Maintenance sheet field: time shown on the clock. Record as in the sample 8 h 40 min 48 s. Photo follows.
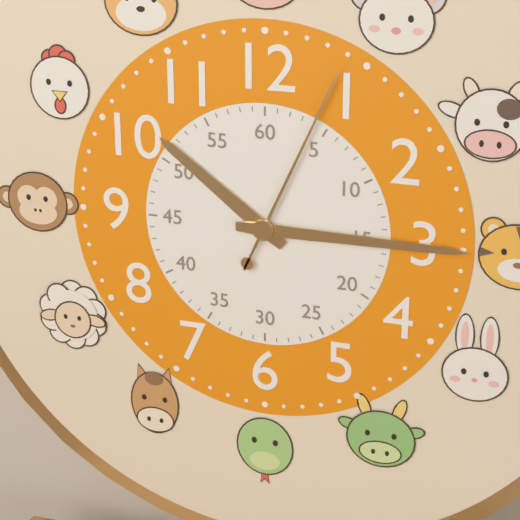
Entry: 10 h 15 min 04 s
